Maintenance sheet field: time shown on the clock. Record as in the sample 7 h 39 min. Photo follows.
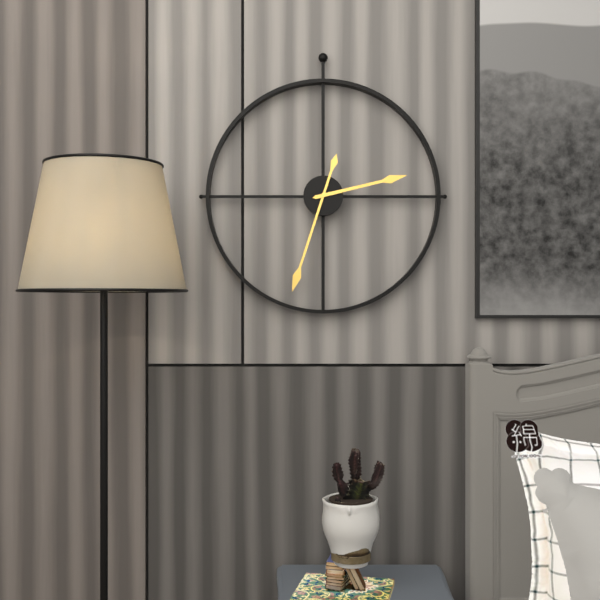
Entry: 2 h 33 min
